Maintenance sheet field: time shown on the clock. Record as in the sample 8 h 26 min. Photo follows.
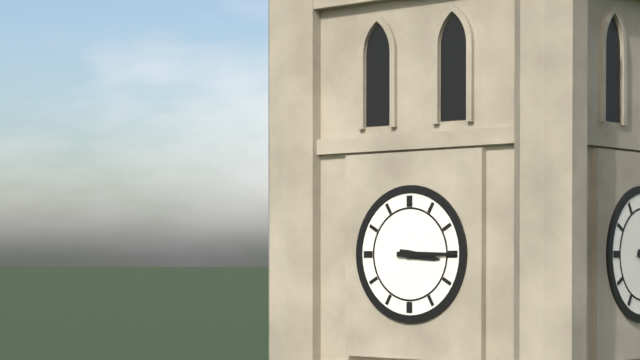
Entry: 3 h 15 min
